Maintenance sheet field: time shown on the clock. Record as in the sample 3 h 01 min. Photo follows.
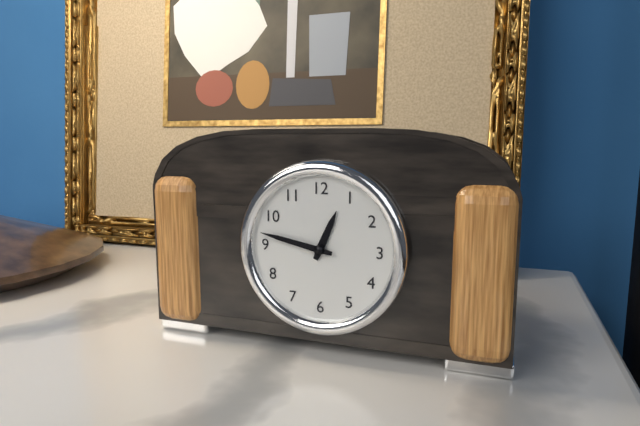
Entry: 12 h 47 min
